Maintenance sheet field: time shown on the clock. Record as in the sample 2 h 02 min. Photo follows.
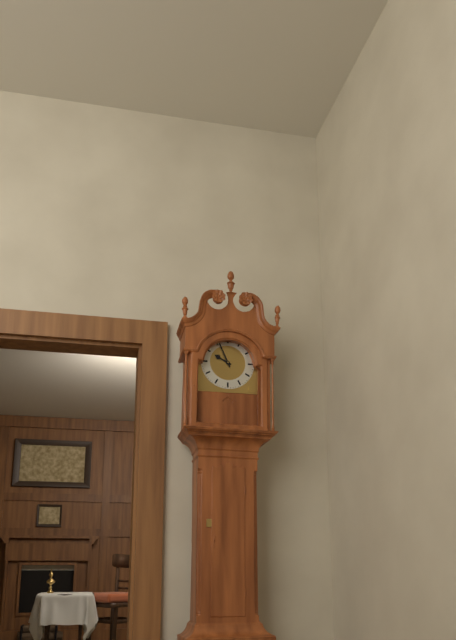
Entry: 9 h 56 min
